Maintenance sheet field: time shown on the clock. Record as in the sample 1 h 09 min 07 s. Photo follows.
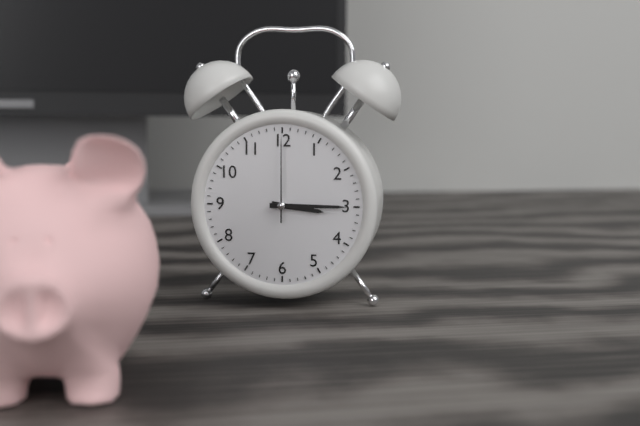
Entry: 3 h 15 min 00 s
